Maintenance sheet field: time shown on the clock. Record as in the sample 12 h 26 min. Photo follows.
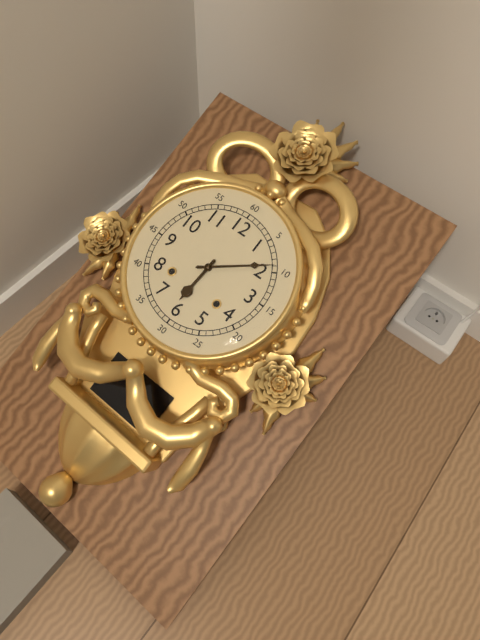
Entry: 6 h 09 min
